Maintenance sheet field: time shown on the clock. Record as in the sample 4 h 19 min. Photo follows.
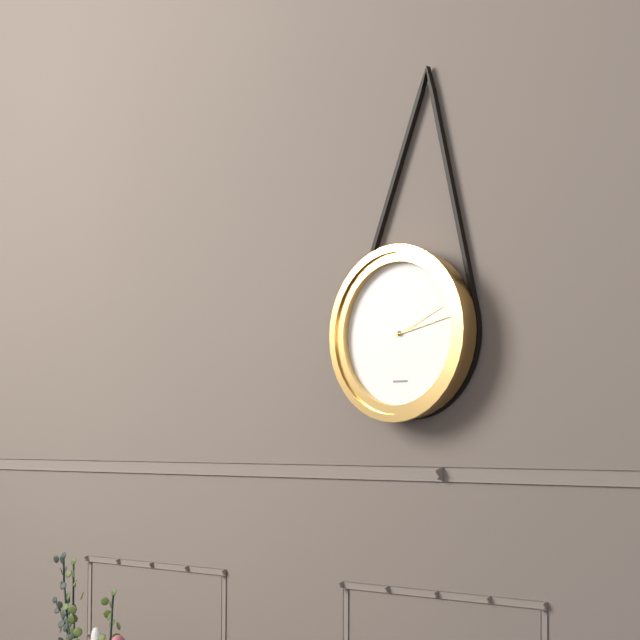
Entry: 2 h 13 min
